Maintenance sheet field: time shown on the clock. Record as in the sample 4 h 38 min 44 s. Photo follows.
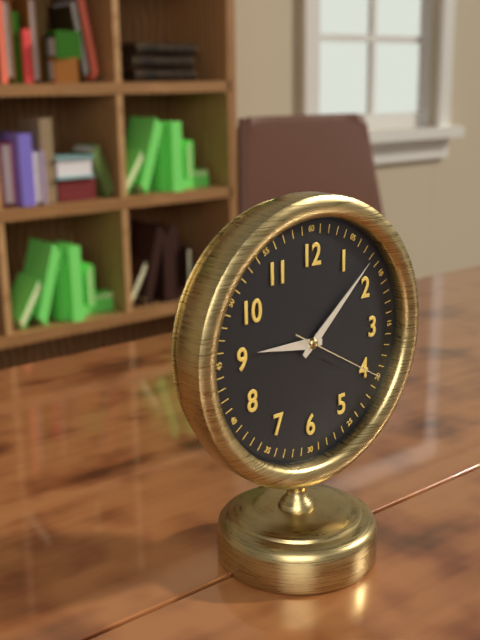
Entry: 9 h 08 min 20 s
